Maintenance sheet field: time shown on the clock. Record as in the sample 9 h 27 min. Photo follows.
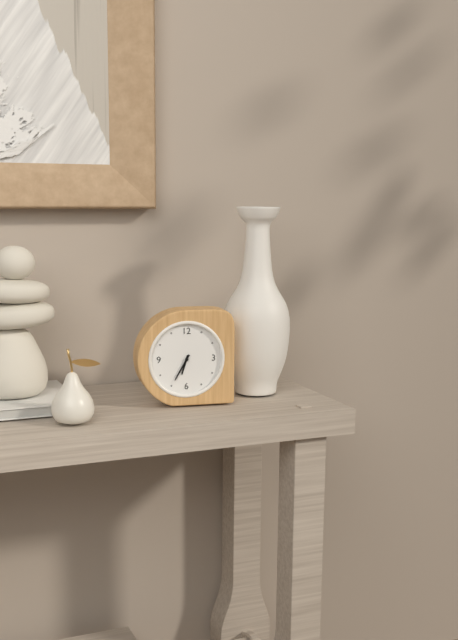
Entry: 6 h 35 min
